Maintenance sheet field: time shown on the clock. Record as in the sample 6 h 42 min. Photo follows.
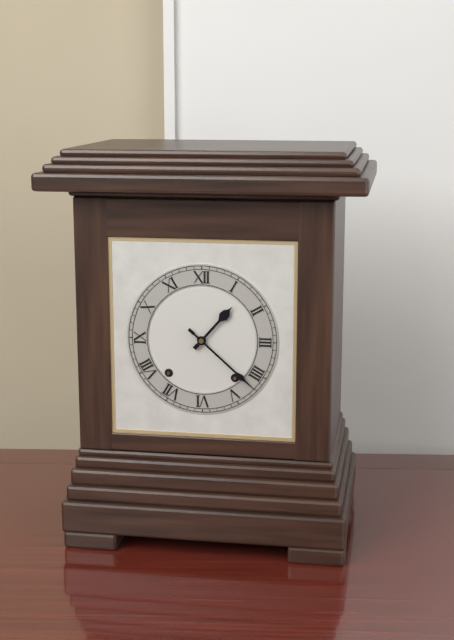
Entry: 1 h 22 min
